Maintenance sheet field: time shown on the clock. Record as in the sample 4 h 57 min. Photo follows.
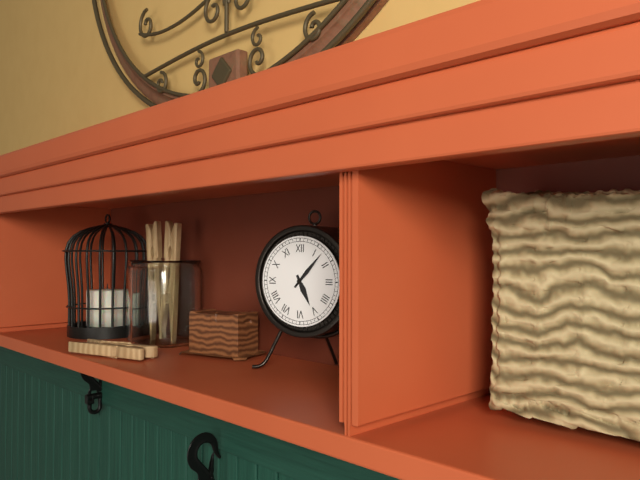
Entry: 5 h 07 min
